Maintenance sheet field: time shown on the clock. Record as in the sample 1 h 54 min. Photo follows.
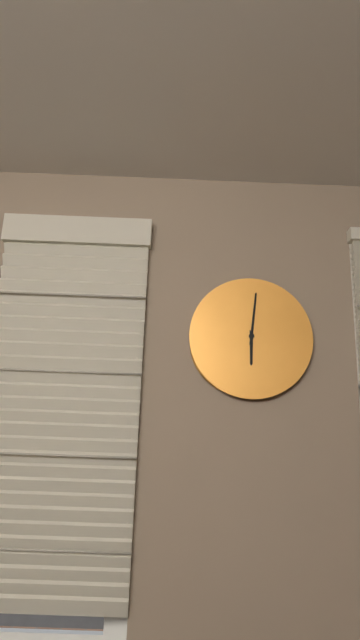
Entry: 6 h 01 min
